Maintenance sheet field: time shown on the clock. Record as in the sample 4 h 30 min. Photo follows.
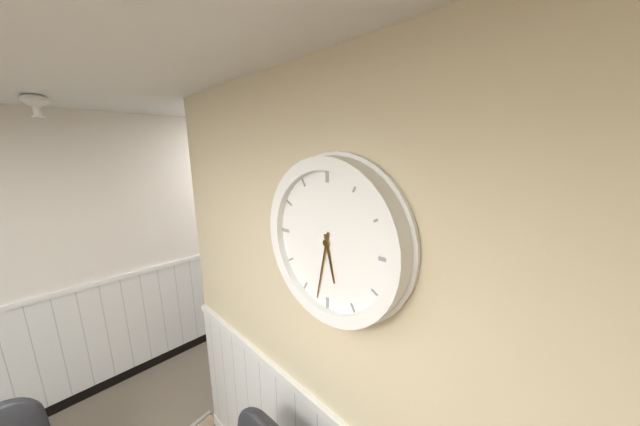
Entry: 5 h 32 min
